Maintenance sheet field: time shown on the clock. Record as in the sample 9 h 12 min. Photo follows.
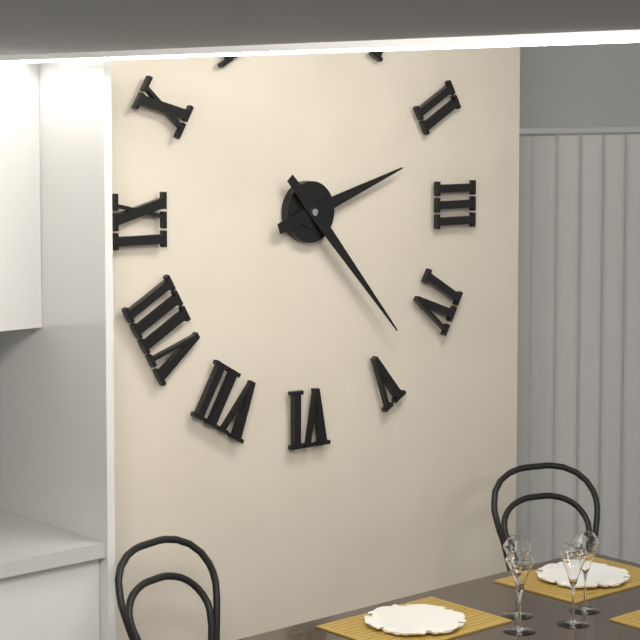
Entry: 2 h 23 min
